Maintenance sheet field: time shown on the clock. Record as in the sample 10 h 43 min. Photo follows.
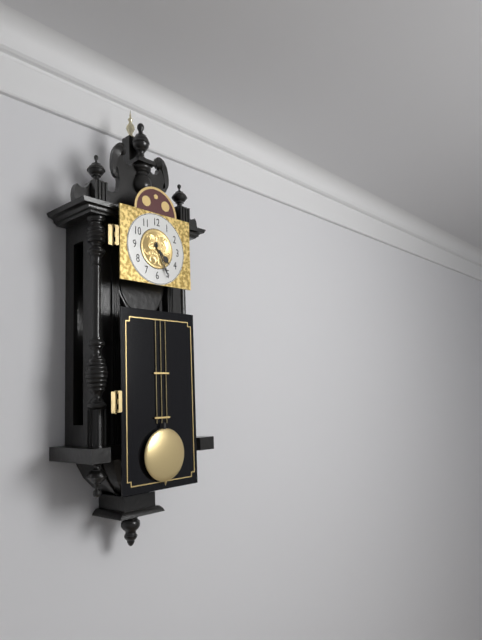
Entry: 4 h 26 min
